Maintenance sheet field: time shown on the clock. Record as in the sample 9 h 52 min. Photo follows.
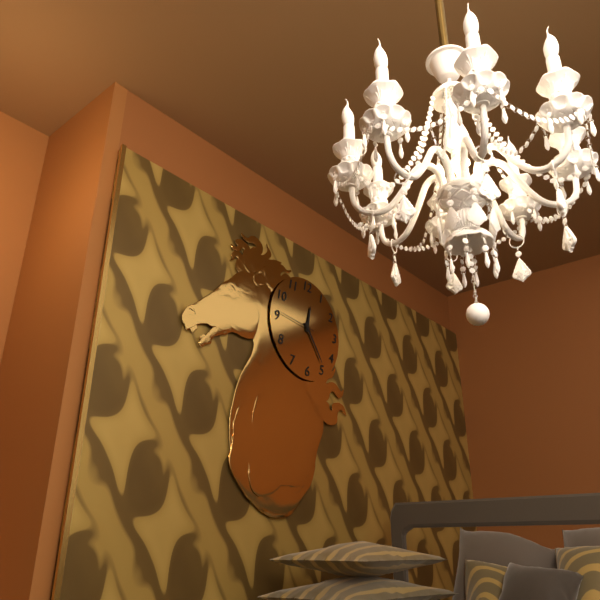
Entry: 12 h 24 min
